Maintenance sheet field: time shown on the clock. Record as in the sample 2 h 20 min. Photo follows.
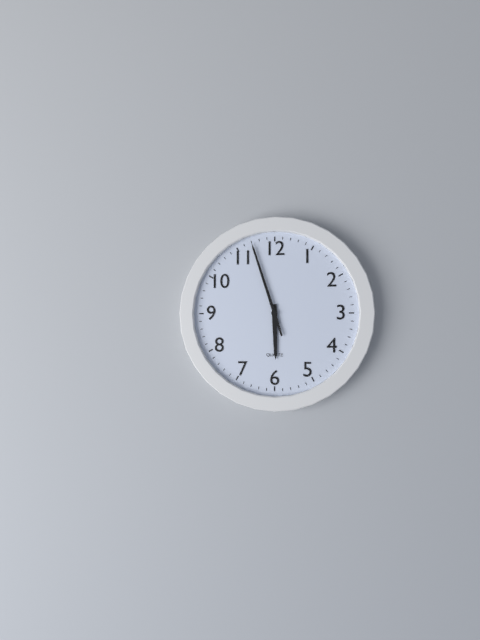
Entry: 5 h 57 min
